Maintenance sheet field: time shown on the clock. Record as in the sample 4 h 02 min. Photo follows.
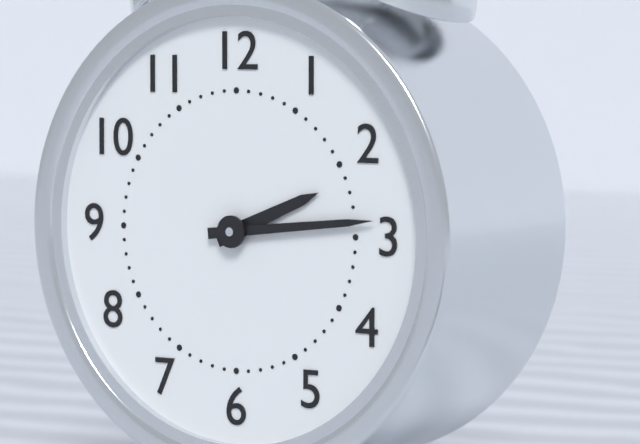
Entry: 2 h 14 min
